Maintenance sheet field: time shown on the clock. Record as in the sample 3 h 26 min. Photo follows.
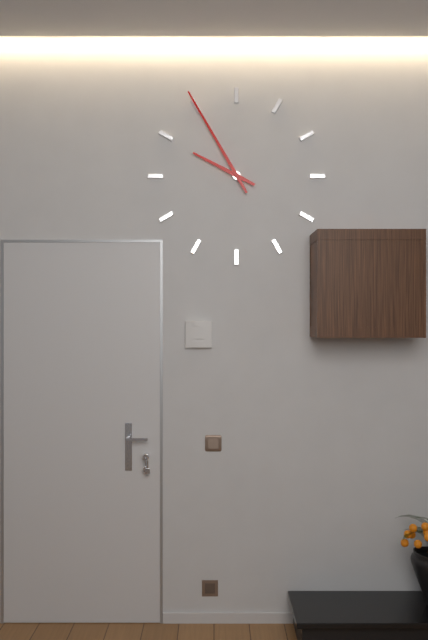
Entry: 9 h 55 min
